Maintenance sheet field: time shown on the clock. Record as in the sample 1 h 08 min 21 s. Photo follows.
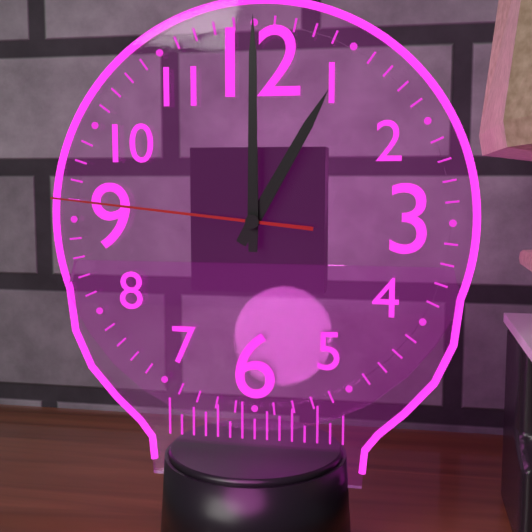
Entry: 1 h 00 min 46 s
